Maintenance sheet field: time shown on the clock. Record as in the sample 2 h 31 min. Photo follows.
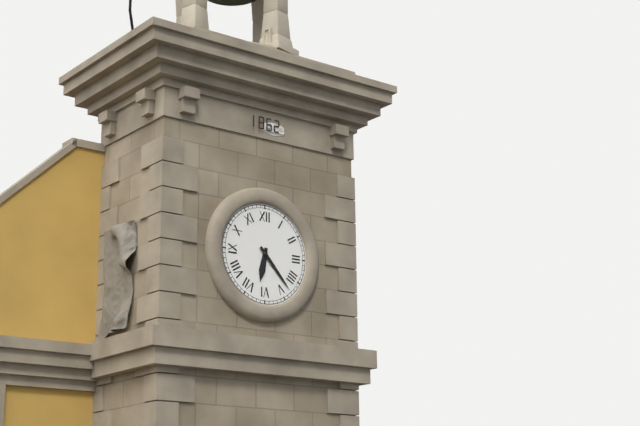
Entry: 6 h 23 min
